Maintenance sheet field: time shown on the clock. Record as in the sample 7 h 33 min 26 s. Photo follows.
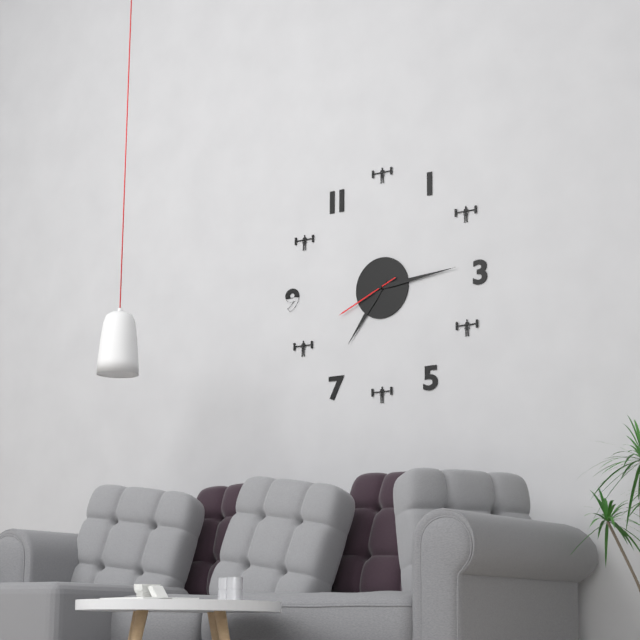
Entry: 7 h 14 min 41 s
